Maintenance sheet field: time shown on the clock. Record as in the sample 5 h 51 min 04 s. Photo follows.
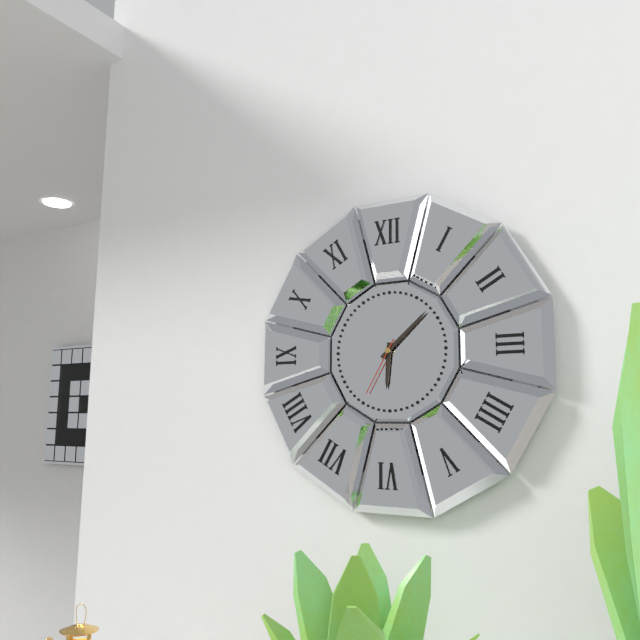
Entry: 6 h 08 min 35 s
